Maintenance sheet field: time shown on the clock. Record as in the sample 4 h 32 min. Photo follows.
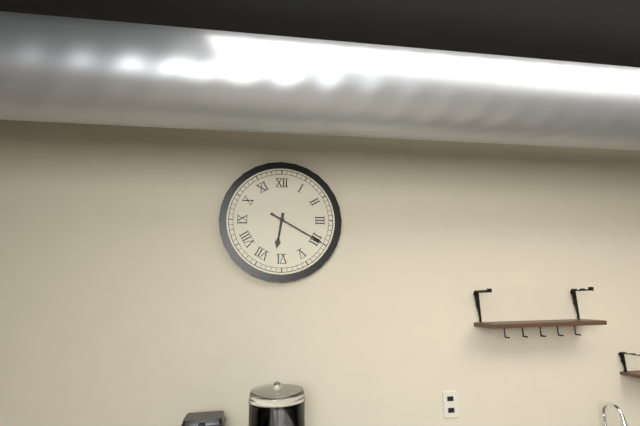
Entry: 6 h 20 min
